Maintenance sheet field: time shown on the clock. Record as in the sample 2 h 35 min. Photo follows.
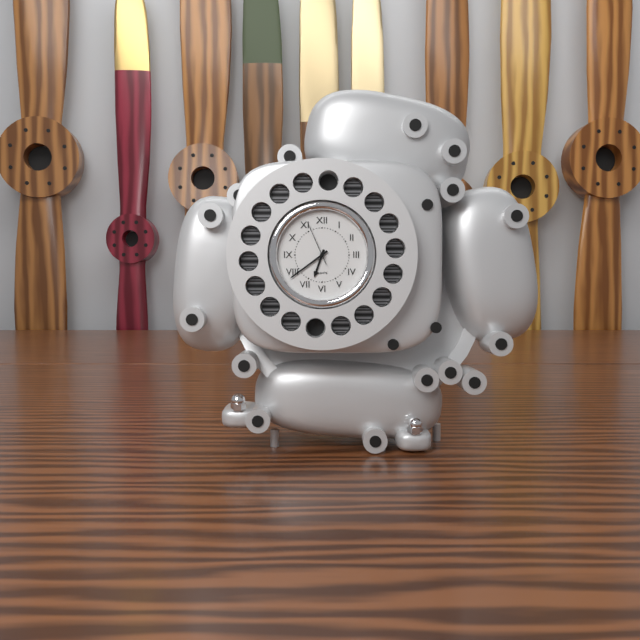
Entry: 6 h 39 min
